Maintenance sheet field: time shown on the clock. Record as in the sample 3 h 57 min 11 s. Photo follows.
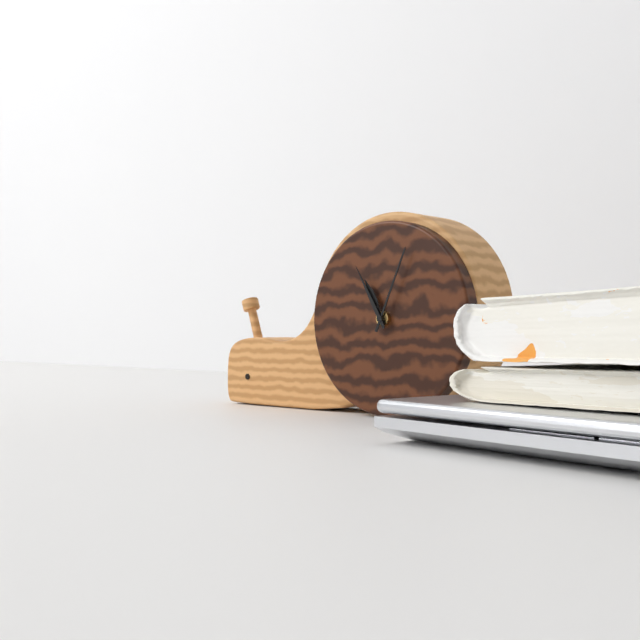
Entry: 11 h 04 min 55 s
